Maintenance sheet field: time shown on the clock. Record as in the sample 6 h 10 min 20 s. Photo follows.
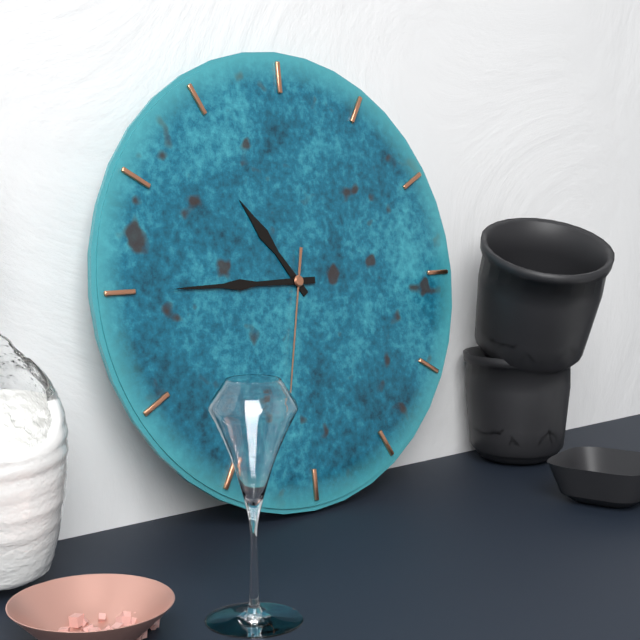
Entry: 10 h 45 min 32 s
